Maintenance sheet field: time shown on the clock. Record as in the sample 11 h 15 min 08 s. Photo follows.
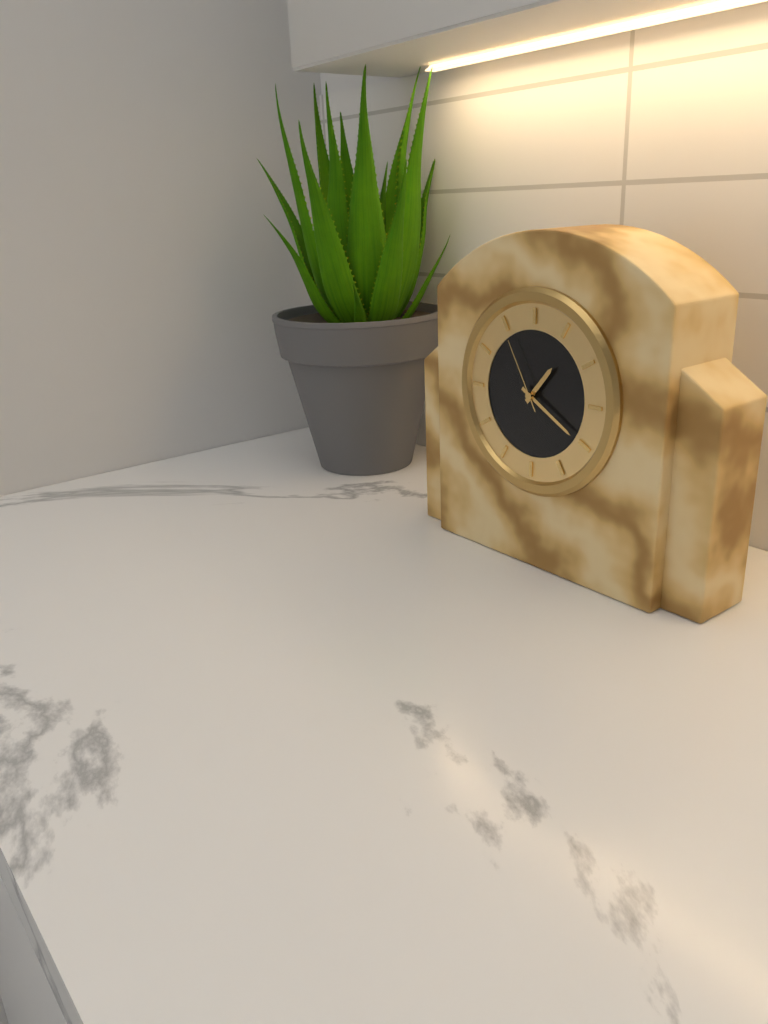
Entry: 1 h 20 min 55 s
